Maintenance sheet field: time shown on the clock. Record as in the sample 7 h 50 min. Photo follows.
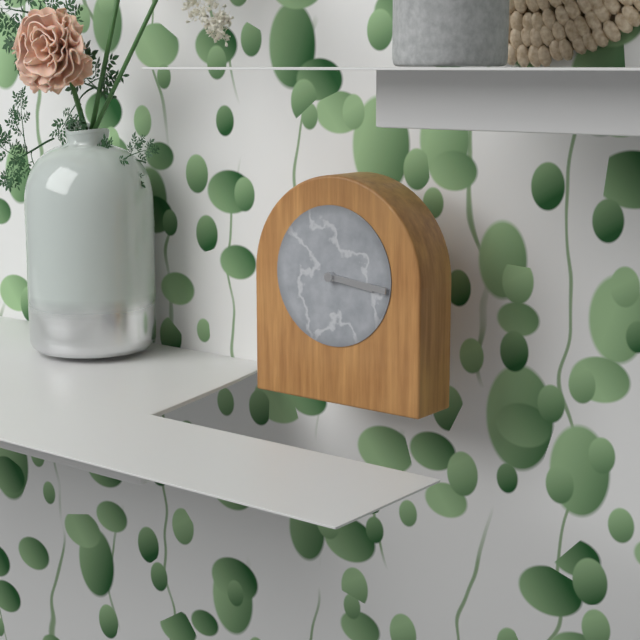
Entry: 3 h 16 min
